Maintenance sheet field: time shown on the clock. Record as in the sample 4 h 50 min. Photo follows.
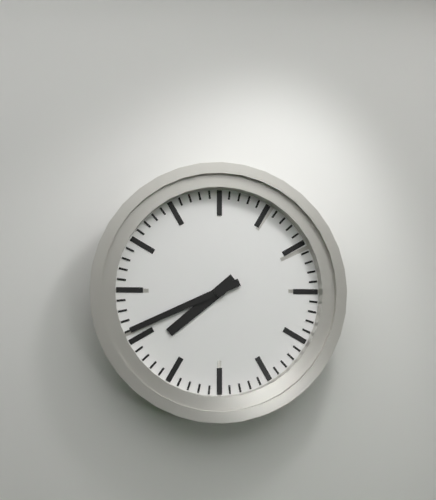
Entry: 7 h 41 min
